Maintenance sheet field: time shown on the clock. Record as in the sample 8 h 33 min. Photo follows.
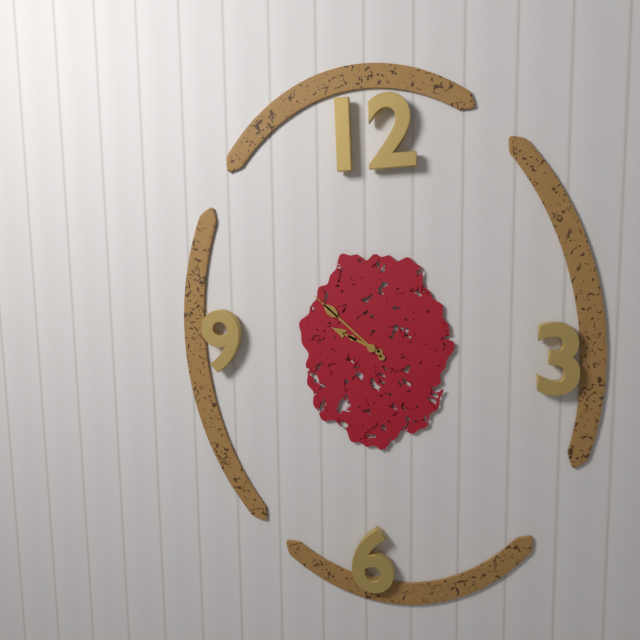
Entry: 9 h 52 min
